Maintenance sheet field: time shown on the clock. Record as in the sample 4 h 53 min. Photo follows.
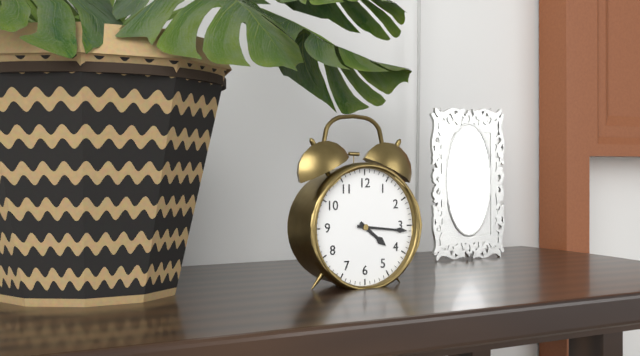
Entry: 4 h 16 min
